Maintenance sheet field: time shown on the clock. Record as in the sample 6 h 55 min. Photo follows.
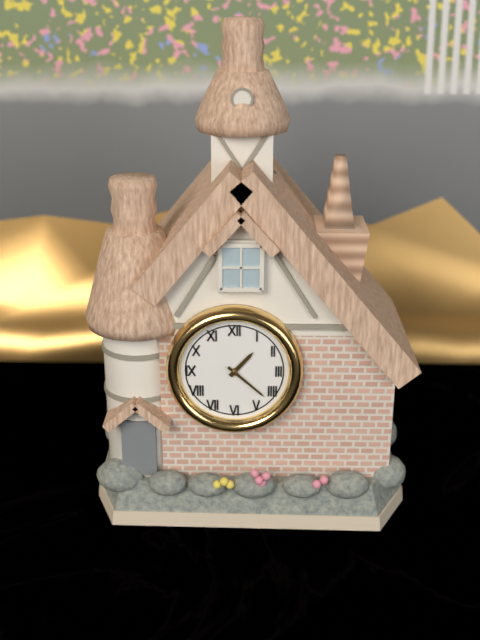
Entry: 1 h 22 min
